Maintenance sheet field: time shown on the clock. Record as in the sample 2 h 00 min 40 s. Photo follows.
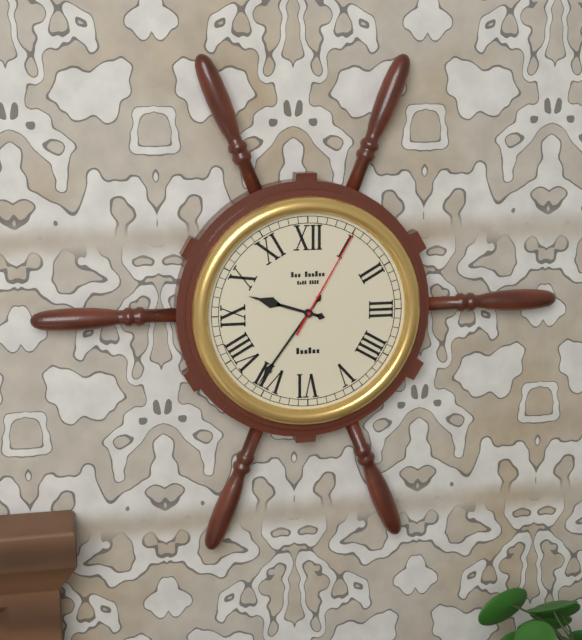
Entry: 9 h 36 min 05 s
